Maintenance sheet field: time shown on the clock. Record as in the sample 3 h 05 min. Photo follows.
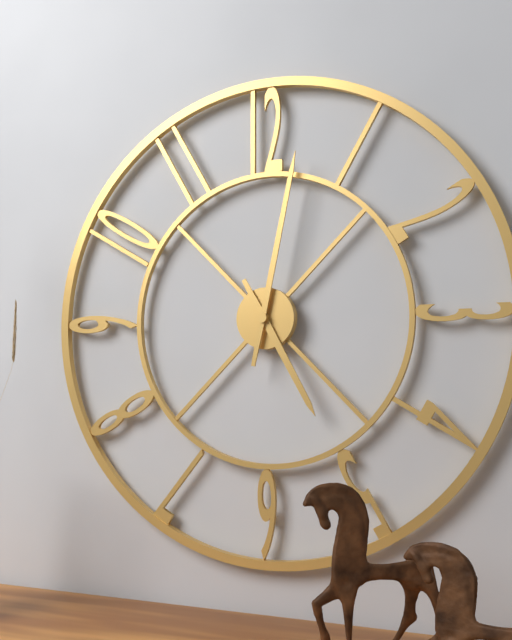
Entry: 5 h 02 min
